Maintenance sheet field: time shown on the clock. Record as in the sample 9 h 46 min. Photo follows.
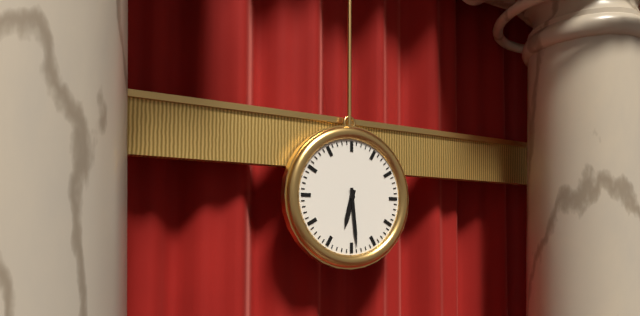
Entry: 6 h 29 min
